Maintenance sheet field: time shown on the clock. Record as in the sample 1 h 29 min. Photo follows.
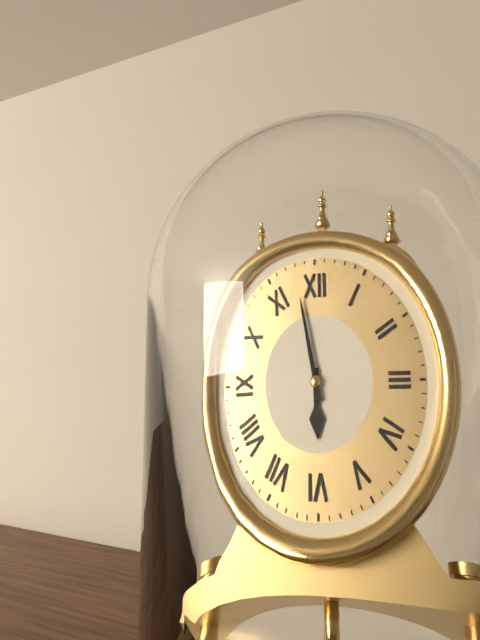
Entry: 5 h 58 min
